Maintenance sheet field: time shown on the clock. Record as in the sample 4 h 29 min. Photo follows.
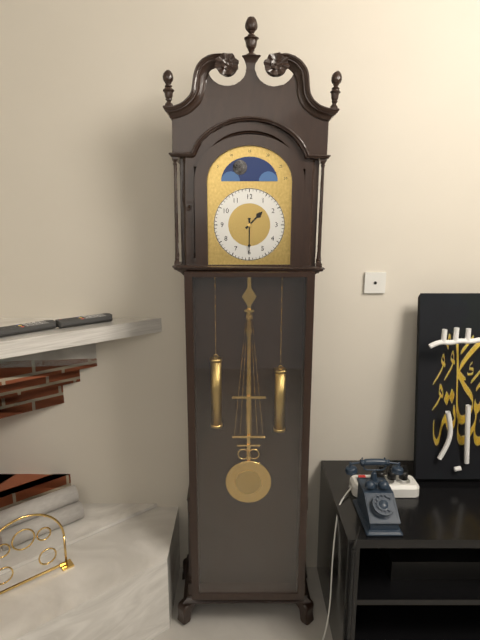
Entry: 1 h 30 min
